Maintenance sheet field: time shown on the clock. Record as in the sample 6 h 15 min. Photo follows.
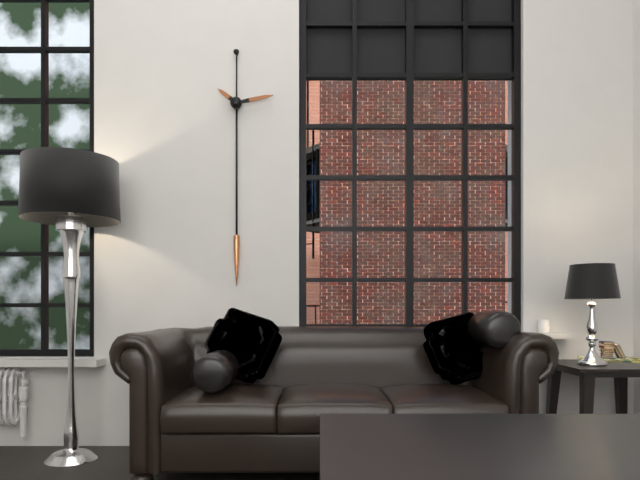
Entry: 10 h 13 min
